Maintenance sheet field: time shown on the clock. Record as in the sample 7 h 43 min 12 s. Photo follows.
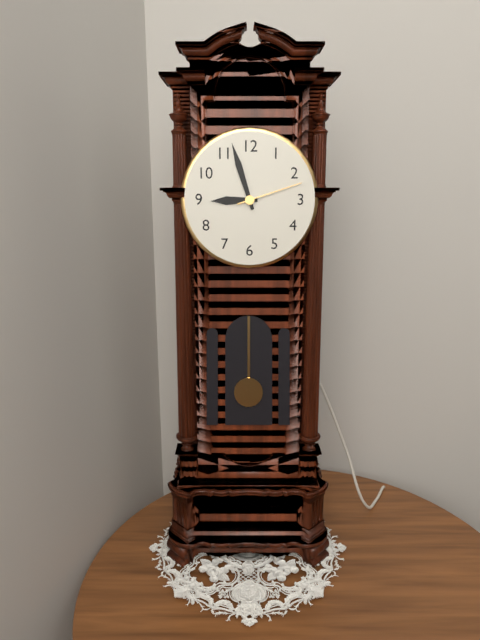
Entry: 8 h 57 min 12 s
